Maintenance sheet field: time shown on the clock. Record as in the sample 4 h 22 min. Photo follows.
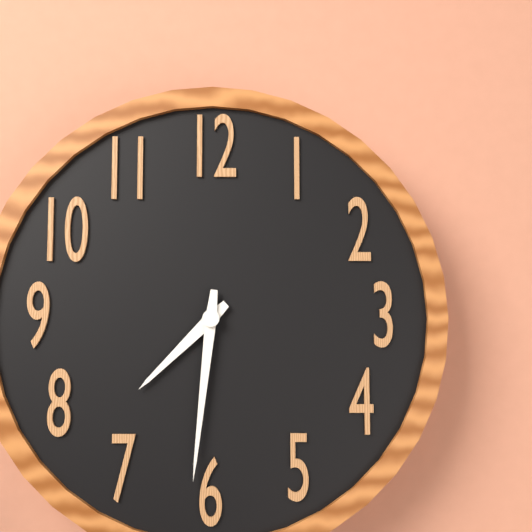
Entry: 7 h 31 min
